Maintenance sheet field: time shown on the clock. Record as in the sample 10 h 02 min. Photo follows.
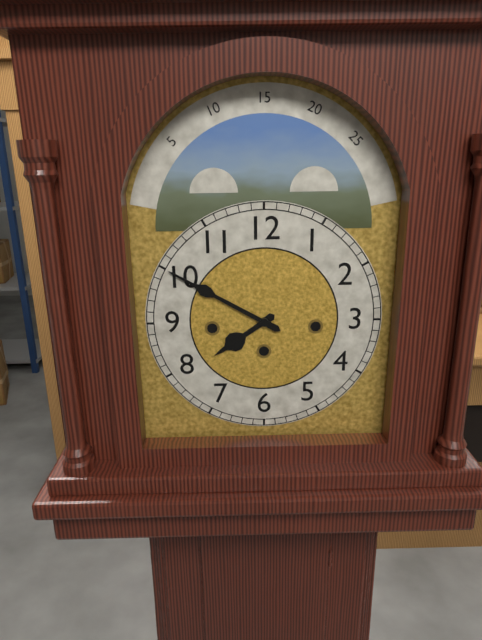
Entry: 7 h 50 min
